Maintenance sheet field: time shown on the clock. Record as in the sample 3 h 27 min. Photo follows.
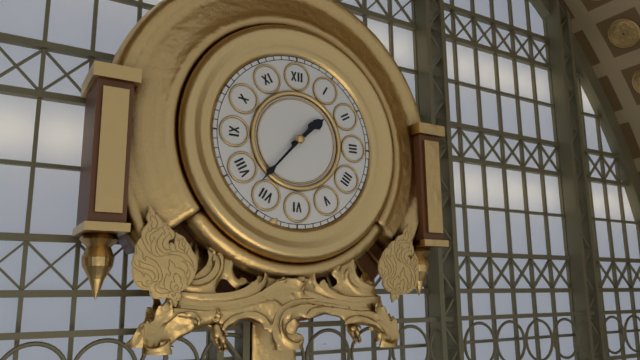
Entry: 1 h 37 min
